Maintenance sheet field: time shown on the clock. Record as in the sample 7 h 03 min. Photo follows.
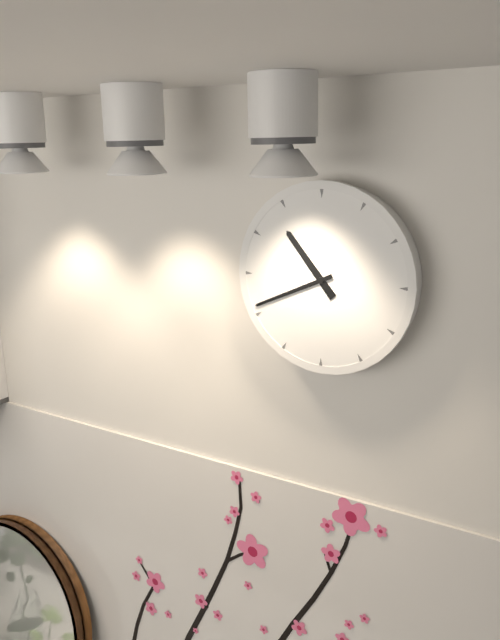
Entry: 10 h 41 min
